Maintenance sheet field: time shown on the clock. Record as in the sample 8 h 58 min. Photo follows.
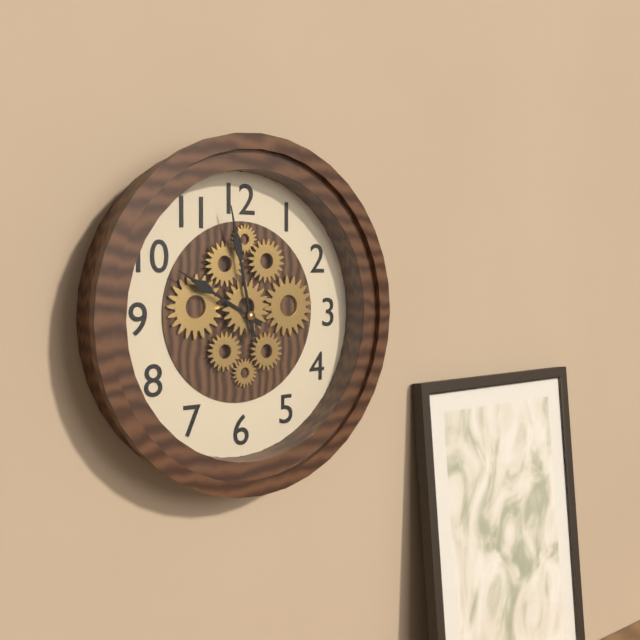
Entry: 9 h 58 min
